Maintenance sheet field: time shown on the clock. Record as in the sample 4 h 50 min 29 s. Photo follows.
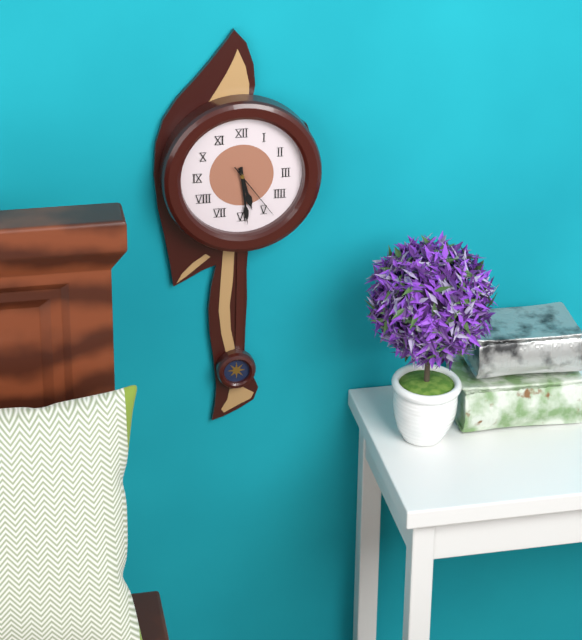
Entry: 5 h 29 min 24 s
